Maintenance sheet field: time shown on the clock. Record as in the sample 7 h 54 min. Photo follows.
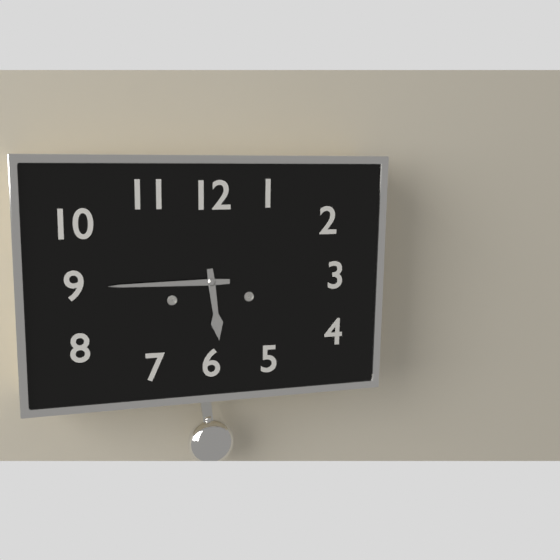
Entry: 5 h 45 min
